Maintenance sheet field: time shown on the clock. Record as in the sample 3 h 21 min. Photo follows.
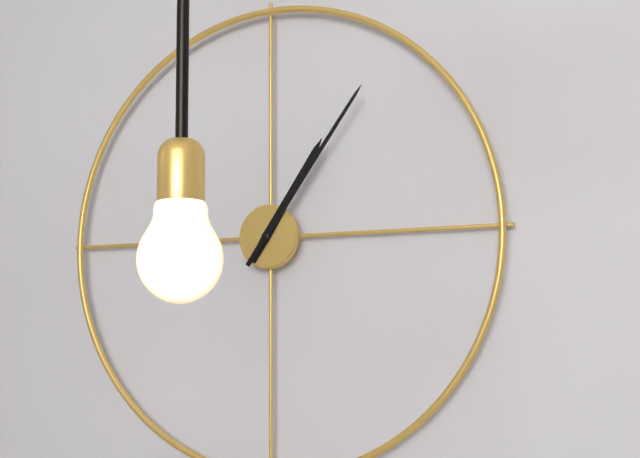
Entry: 1 h 06 min
